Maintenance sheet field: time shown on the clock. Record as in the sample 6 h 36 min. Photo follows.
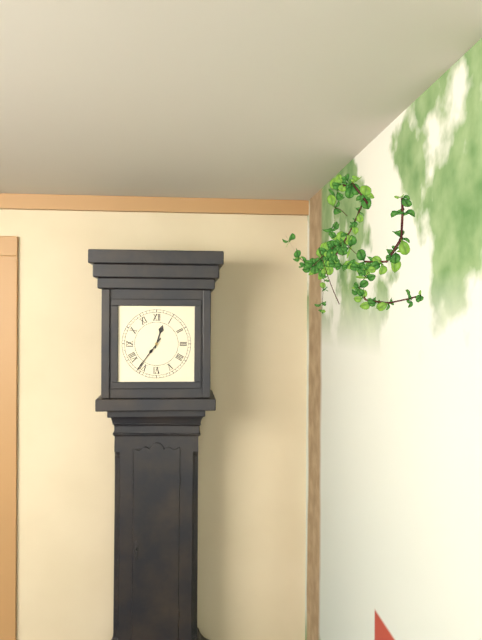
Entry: 12 h 36 min
